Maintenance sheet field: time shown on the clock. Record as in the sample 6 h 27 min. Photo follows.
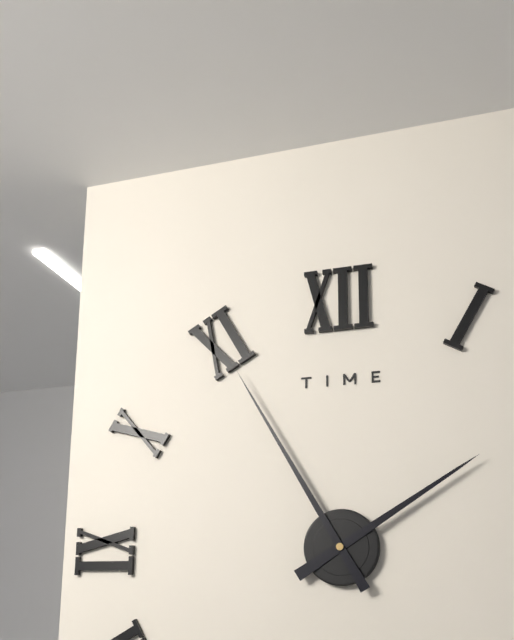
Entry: 1 h 55 min
